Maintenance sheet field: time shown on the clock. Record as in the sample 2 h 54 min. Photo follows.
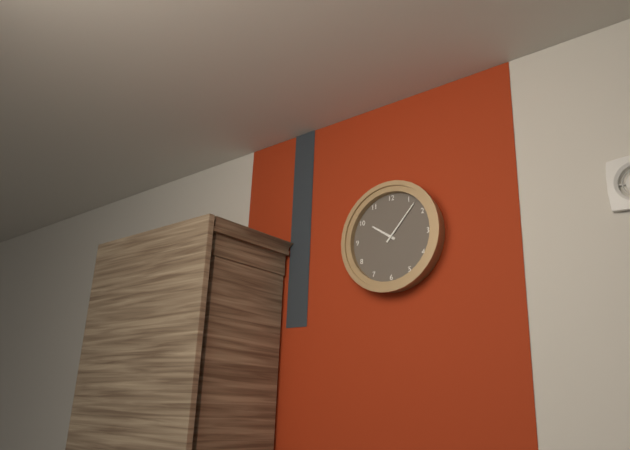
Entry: 10 h 07 min
